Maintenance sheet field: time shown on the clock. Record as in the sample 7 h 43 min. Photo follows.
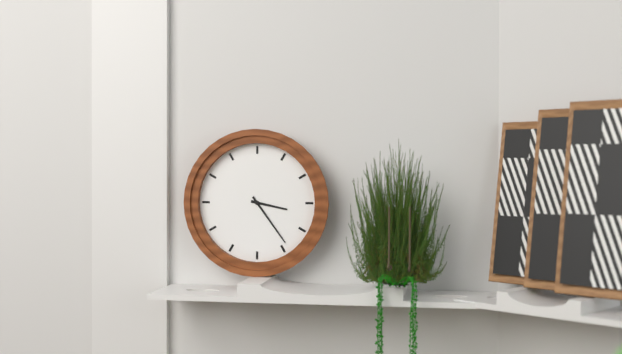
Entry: 3 h 24 min
